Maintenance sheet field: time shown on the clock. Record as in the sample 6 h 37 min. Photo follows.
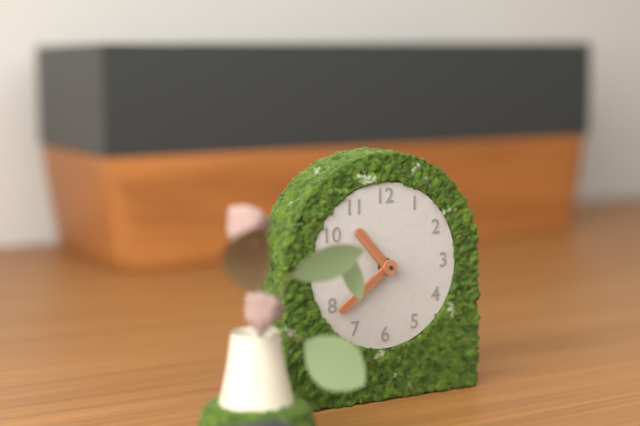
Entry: 10 h 39 min
